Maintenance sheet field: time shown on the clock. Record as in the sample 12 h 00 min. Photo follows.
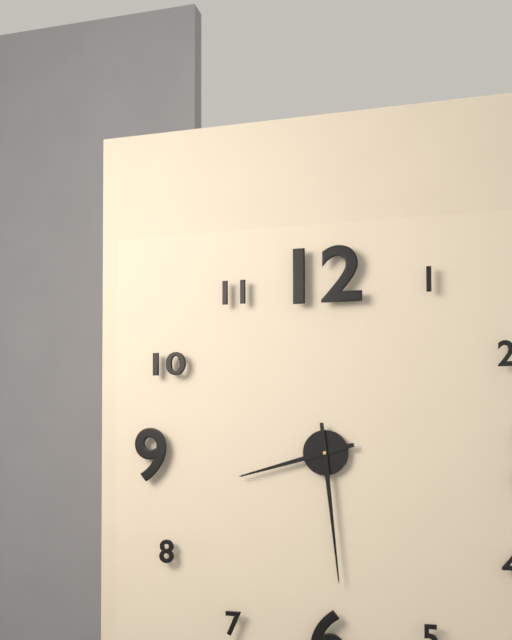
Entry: 8 h 29 min
